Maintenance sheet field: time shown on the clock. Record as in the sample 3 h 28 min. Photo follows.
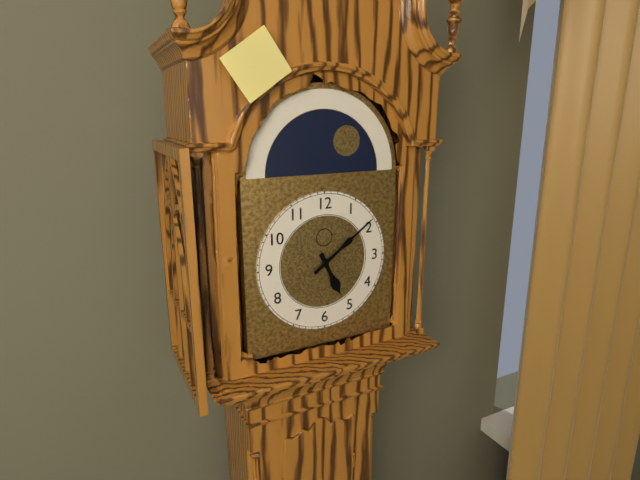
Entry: 5 h 09 min
